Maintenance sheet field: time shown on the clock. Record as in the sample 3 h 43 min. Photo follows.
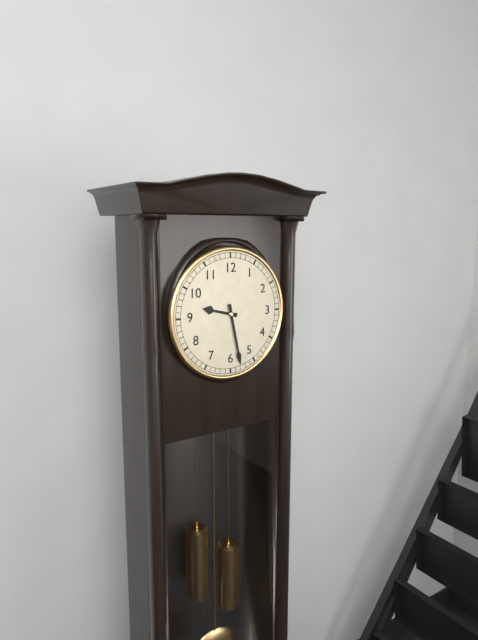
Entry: 9 h 28 min
